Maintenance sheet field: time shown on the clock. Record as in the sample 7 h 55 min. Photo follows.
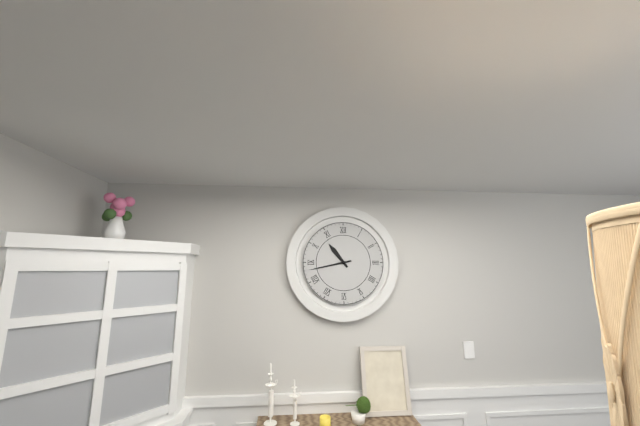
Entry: 10 h 43 min
